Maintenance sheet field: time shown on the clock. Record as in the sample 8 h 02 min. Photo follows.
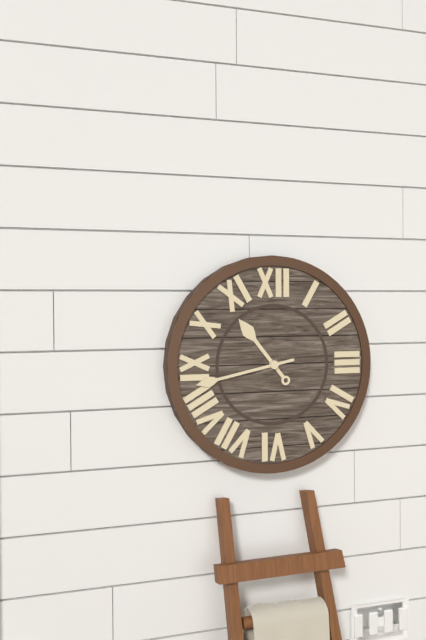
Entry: 10 h 43 min
